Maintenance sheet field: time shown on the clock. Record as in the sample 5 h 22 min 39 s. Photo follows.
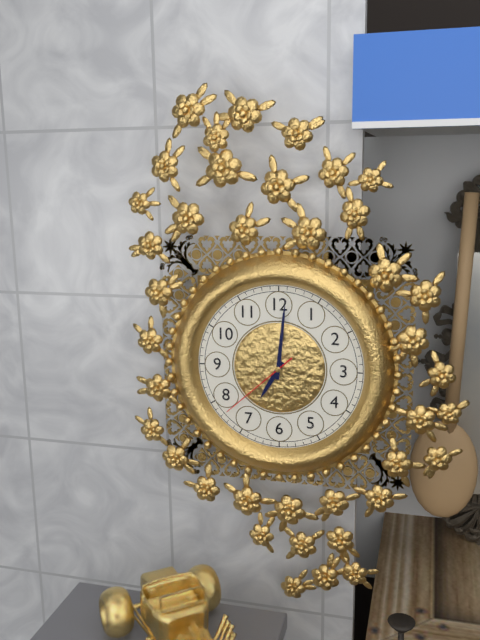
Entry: 7 h 01 min 38 s
